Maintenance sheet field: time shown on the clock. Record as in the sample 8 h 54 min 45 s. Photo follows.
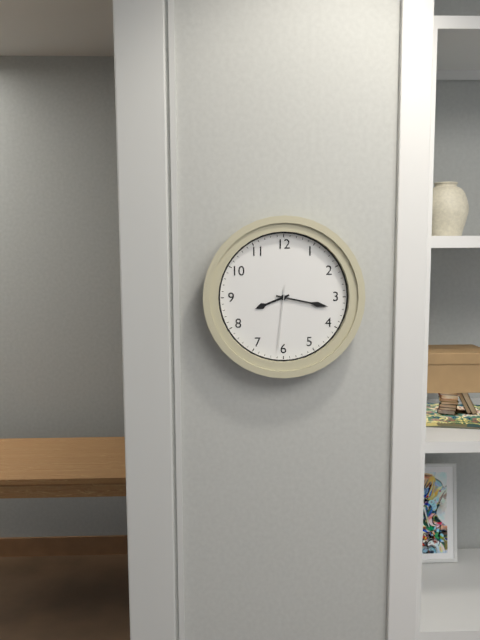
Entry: 8 h 17 min 31 s
